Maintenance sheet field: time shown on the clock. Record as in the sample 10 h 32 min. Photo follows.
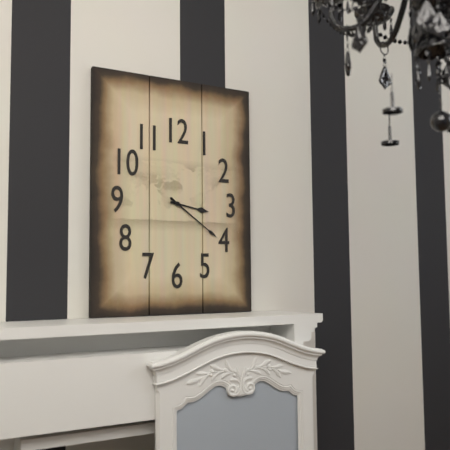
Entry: 3 h 21 min
